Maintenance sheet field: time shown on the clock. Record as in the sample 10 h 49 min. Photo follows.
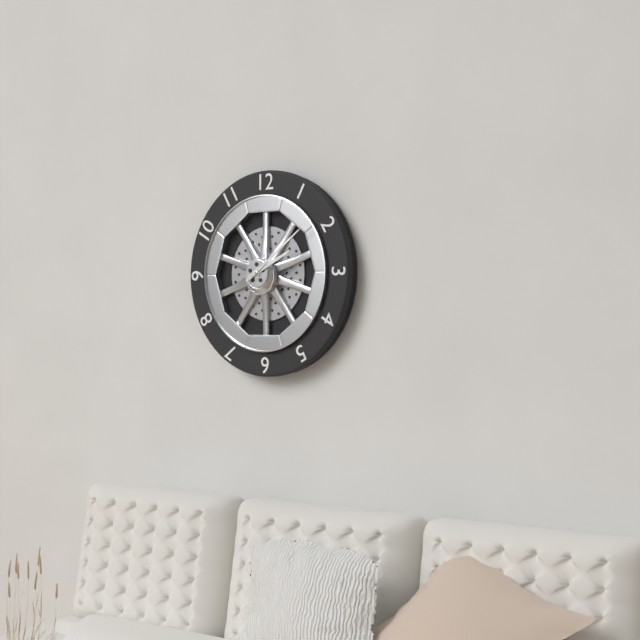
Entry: 2 h 09 min
